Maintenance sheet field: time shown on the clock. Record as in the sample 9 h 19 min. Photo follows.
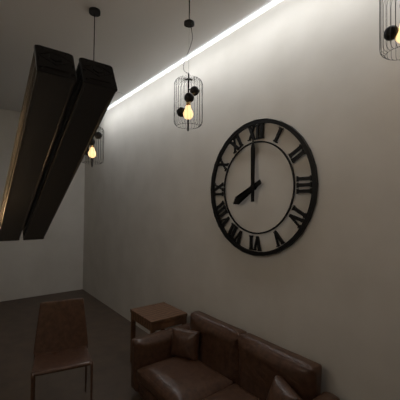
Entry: 8 h 00 min
